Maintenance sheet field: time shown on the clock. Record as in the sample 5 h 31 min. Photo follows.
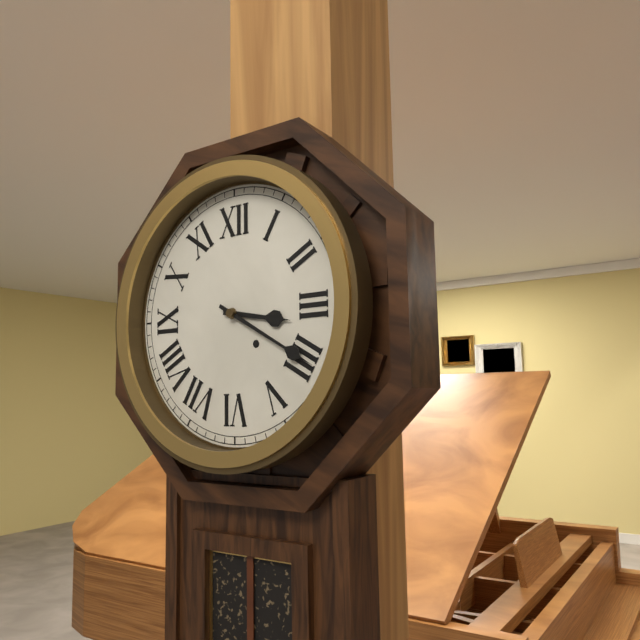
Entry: 3 h 20 min
